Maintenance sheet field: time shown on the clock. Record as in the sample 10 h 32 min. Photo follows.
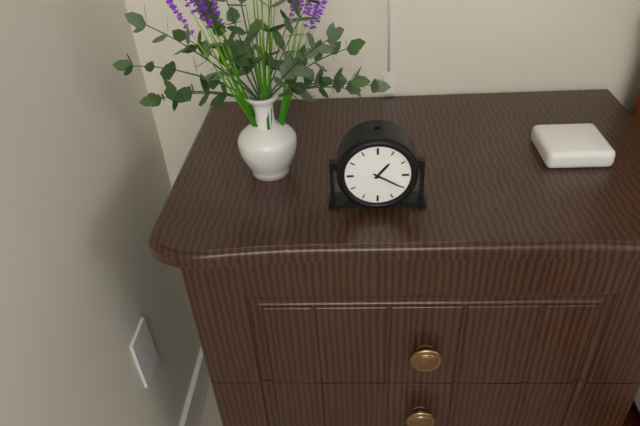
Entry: 1 h 20 min
